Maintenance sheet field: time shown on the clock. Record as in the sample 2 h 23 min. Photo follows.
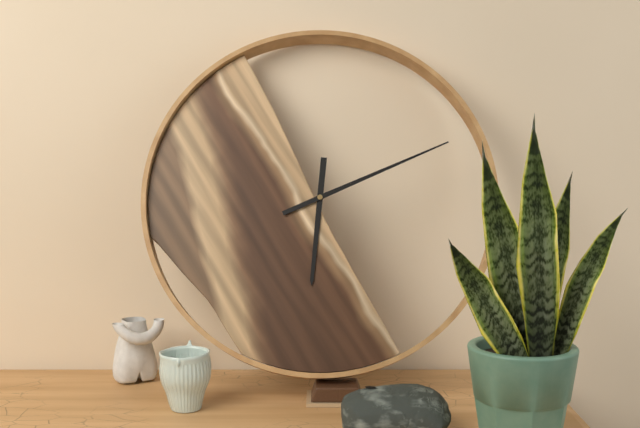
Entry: 6 h 11 min
